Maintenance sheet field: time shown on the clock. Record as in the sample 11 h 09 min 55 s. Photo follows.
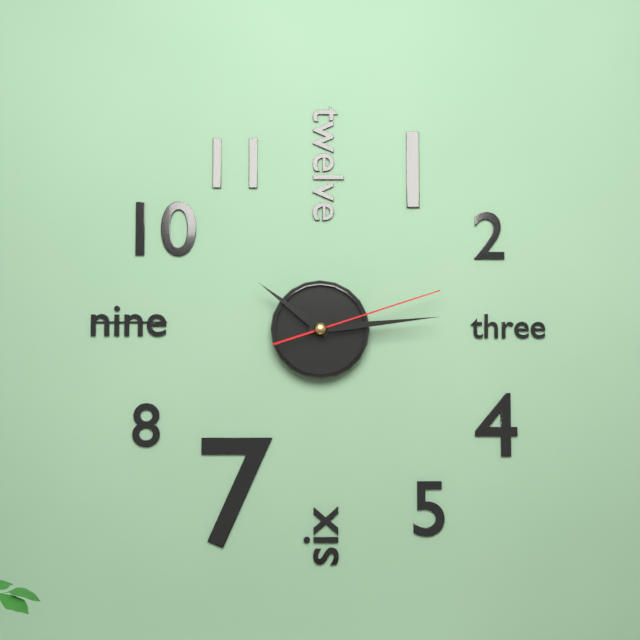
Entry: 10 h 14 min 12 s
